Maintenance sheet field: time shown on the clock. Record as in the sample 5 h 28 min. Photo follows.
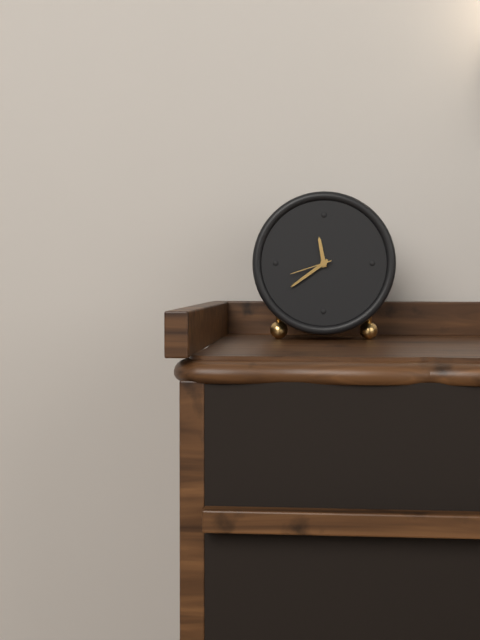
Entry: 11 h 39 min
